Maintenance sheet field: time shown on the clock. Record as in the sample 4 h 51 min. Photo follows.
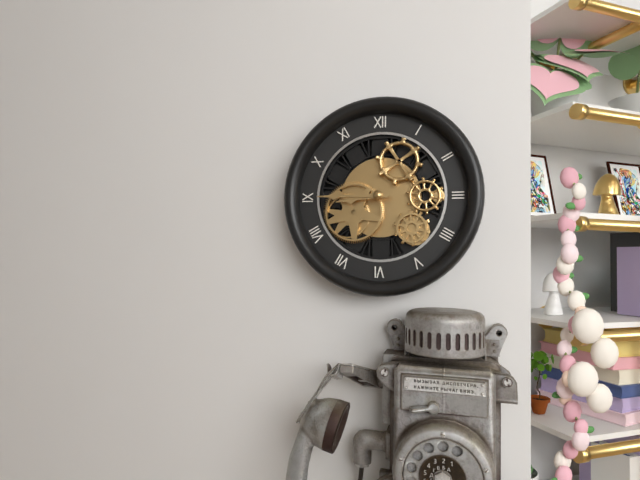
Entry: 8 h 45 min
